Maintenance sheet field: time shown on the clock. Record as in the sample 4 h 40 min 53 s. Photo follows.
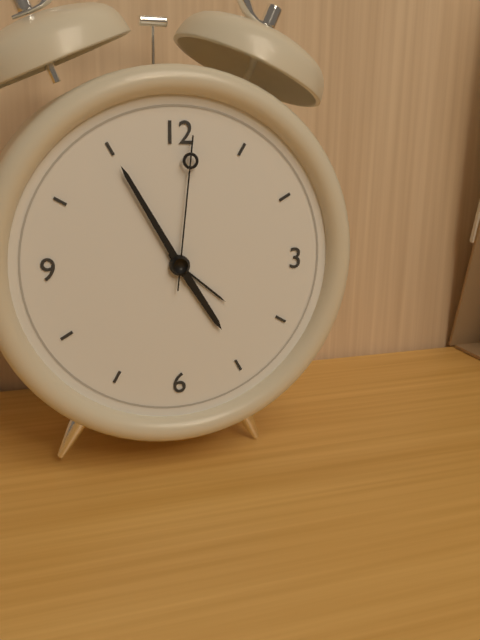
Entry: 4 h 55 min 01 s
